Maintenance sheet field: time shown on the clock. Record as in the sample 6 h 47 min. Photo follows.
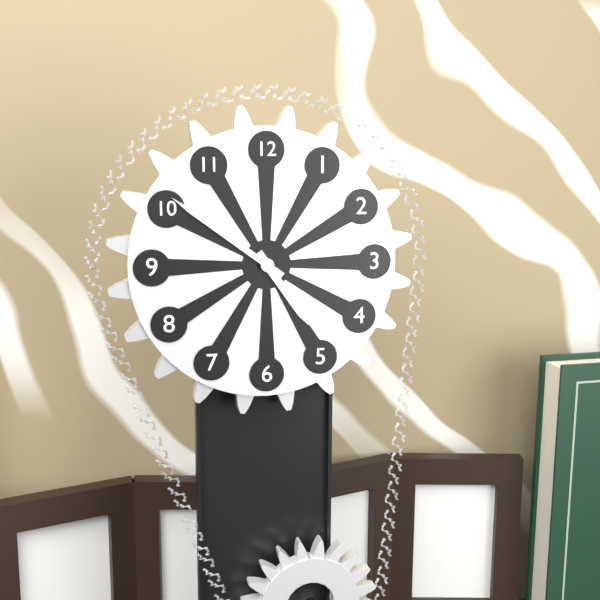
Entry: 4 h 51 min
